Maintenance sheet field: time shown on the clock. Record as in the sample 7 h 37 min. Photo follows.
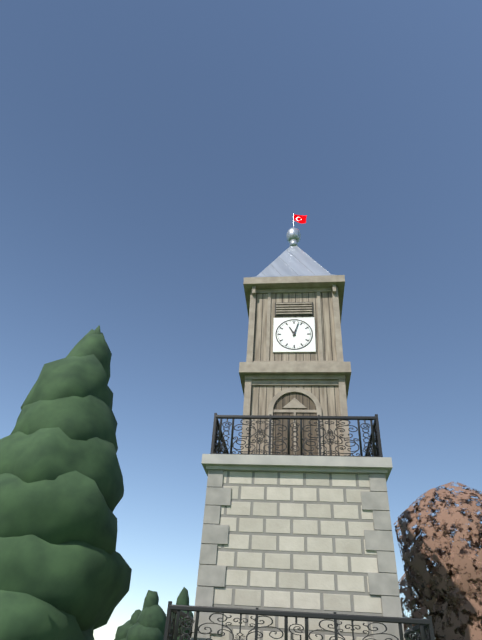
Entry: 11 h 03 min
